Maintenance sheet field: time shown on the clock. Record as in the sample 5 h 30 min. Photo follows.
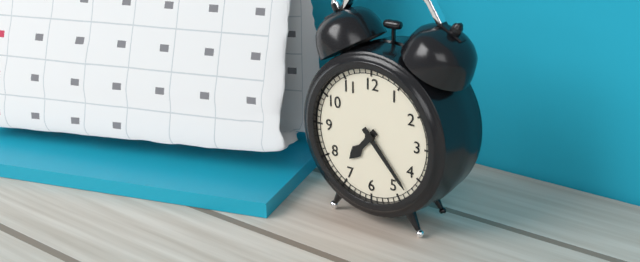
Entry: 7 h 23 min
